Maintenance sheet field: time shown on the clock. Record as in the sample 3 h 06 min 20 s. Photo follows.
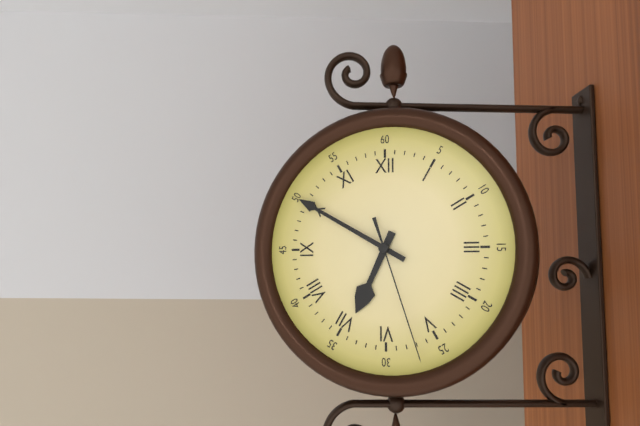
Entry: 6 h 50 min 27 s
